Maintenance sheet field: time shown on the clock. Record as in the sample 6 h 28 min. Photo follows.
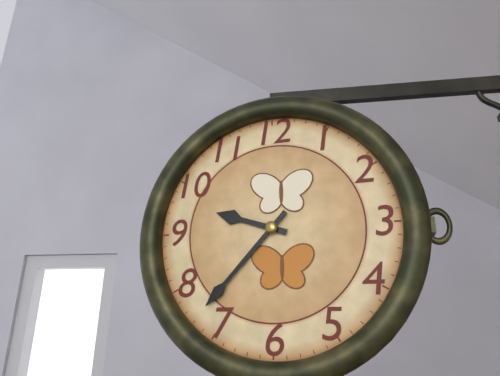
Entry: 9 h 37 min
